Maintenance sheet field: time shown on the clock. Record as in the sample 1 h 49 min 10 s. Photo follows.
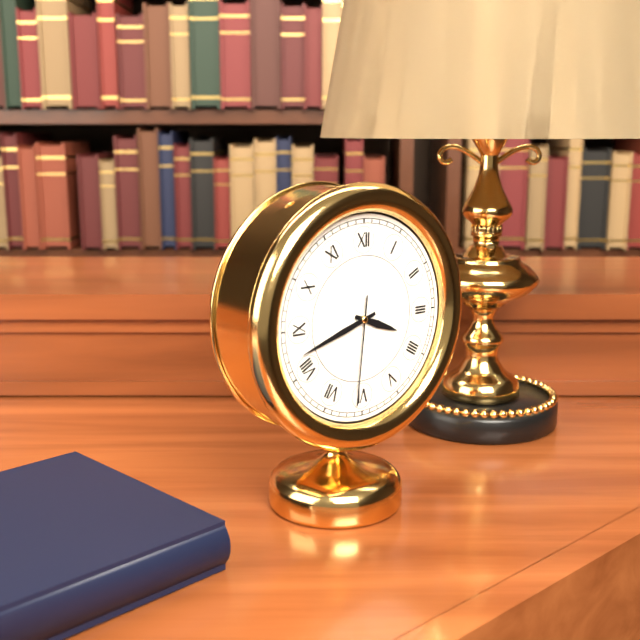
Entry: 3 h 42 min 31 s
